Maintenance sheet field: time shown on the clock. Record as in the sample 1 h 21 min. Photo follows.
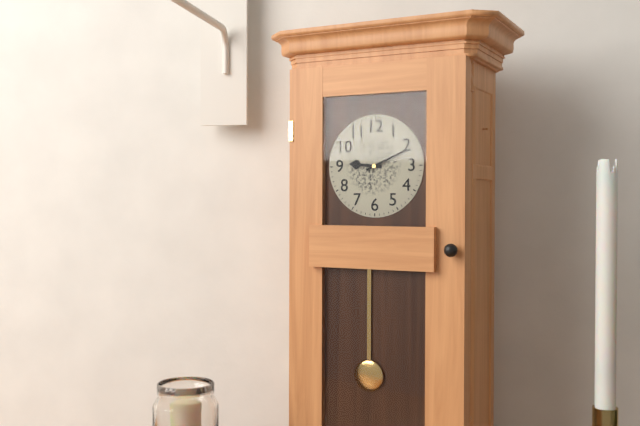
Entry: 9 h 11 min
